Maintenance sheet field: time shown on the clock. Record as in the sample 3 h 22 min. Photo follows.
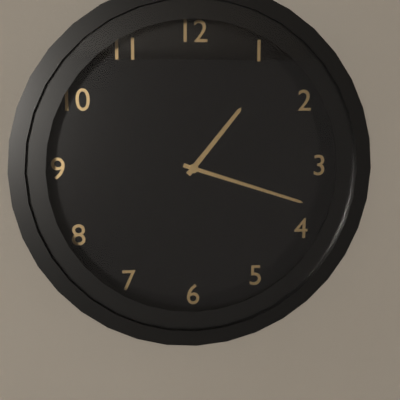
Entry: 1 h 18 min
